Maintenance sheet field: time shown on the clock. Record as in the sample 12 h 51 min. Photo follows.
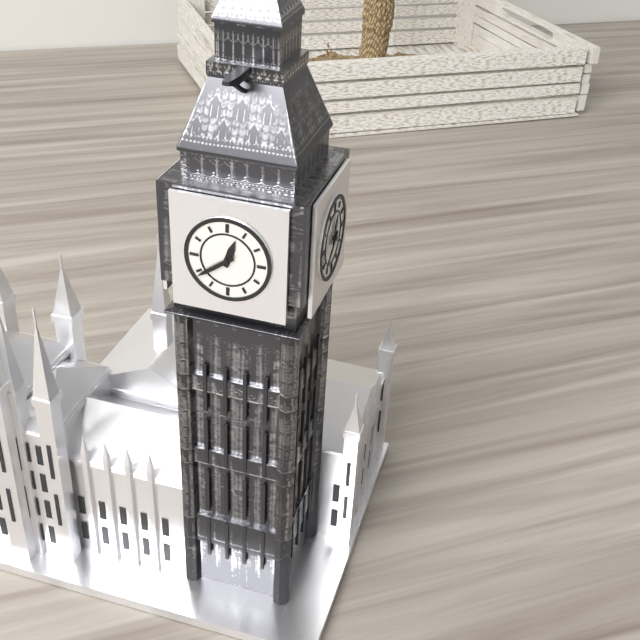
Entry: 12 h 39 min
